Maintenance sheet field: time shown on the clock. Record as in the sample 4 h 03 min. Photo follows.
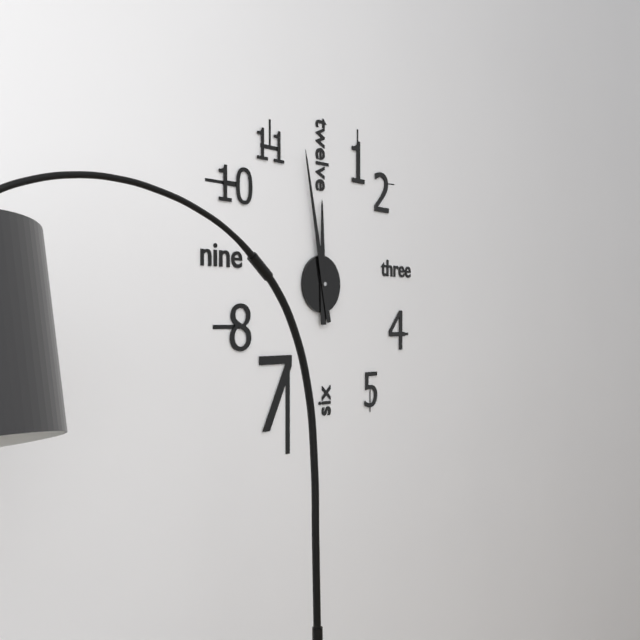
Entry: 11 h 58 min
